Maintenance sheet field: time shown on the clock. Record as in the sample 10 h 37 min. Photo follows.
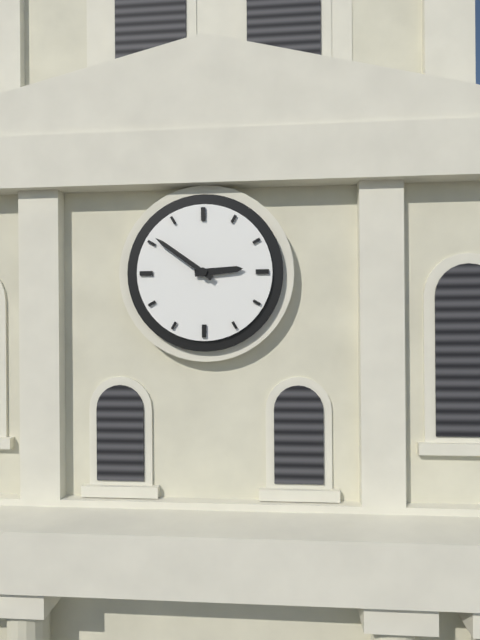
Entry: 2 h 51 min
